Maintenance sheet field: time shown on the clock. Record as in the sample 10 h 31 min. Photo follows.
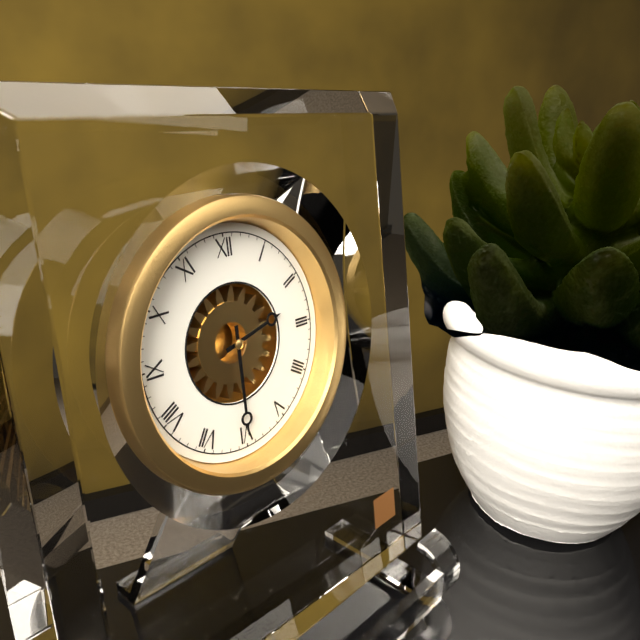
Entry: 2 h 30 min
